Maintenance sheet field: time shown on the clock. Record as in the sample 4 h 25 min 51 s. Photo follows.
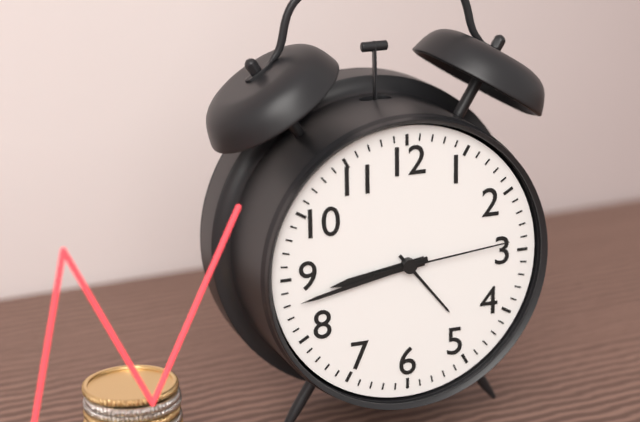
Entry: 8 h 43 min 14 s
